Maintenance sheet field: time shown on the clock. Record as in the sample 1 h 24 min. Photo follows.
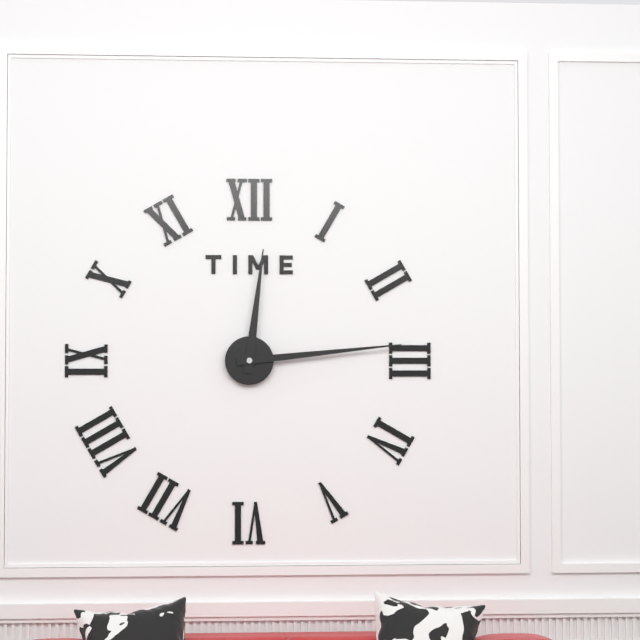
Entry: 12 h 14 min
